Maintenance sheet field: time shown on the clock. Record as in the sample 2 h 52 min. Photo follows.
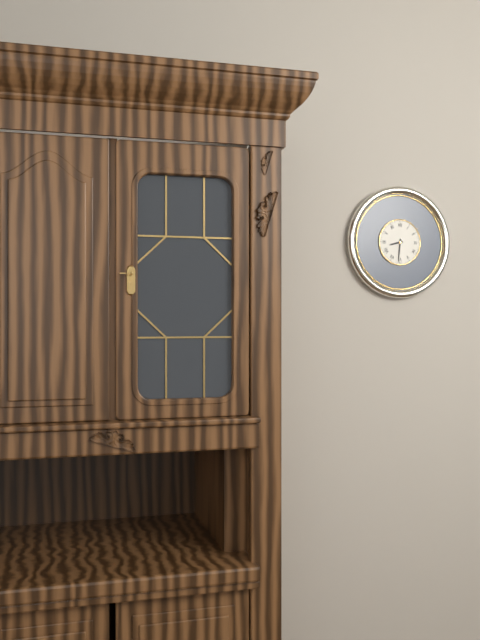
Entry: 8 h 31 min
